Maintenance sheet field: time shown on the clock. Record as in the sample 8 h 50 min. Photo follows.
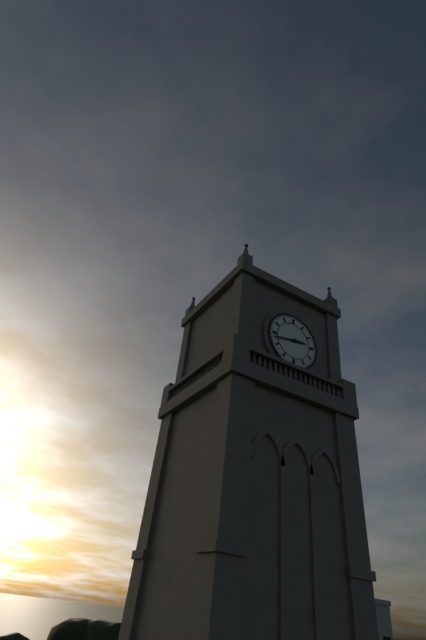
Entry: 2 h 43 min
